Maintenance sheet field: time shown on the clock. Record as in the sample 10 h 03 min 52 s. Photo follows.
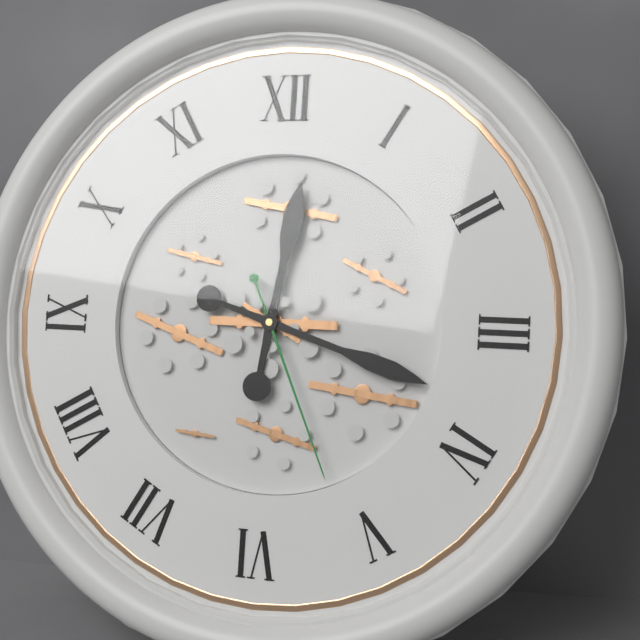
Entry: 12 h 18 min 26 s
